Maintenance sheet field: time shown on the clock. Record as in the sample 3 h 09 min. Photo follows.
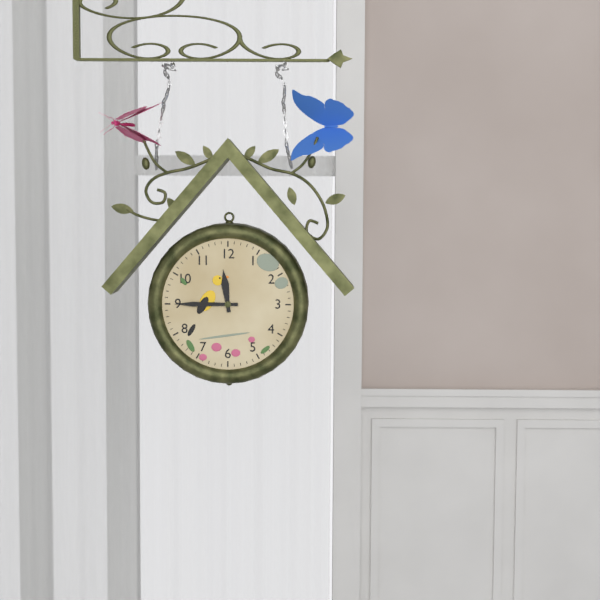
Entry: 11 h 45 min
